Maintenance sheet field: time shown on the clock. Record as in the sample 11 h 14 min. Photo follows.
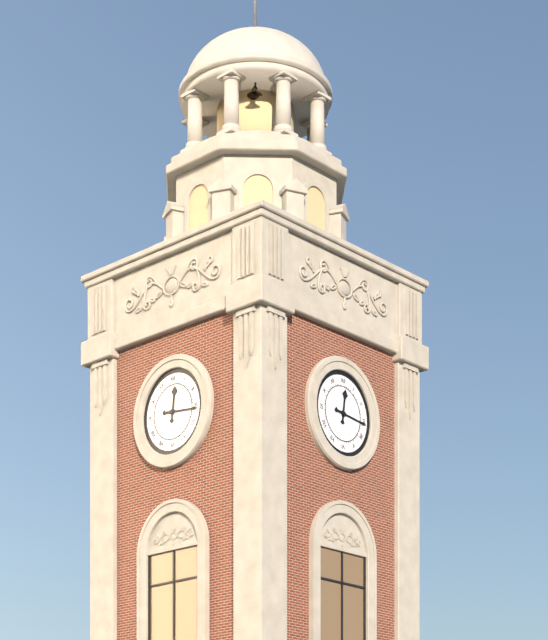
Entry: 12 h 16 min
